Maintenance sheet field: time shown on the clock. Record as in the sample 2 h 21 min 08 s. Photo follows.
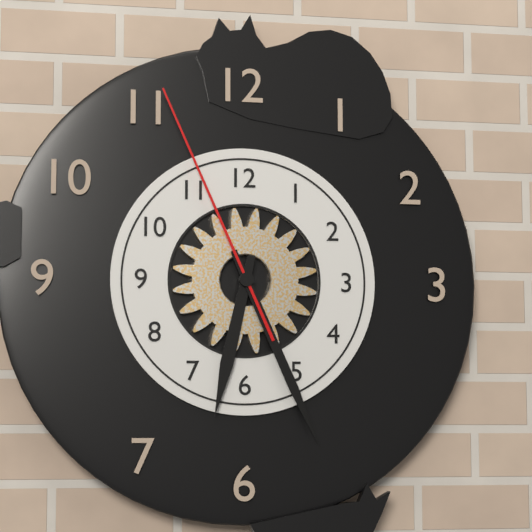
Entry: 6 h 26 min 56 s
